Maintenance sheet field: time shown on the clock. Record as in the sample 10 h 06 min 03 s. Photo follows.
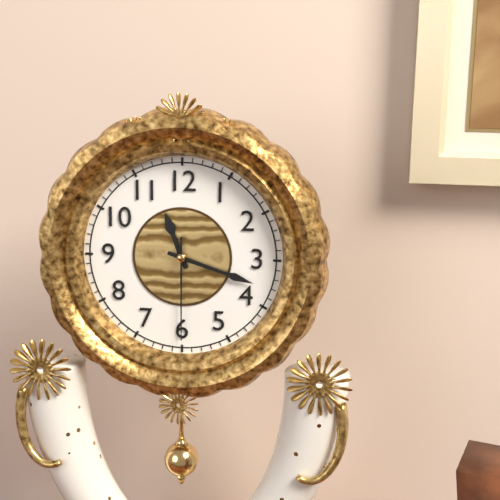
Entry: 11 h 18 min 30 s
